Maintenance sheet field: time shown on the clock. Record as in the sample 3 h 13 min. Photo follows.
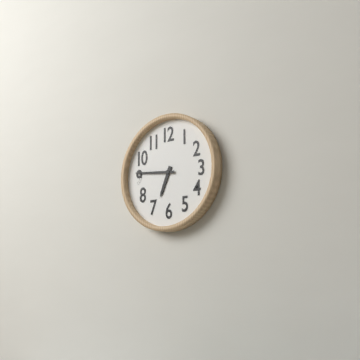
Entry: 6 h 46 min
